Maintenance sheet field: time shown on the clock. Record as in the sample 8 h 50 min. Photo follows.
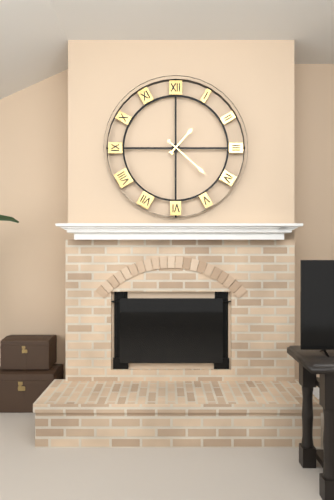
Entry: 1 h 22 min
